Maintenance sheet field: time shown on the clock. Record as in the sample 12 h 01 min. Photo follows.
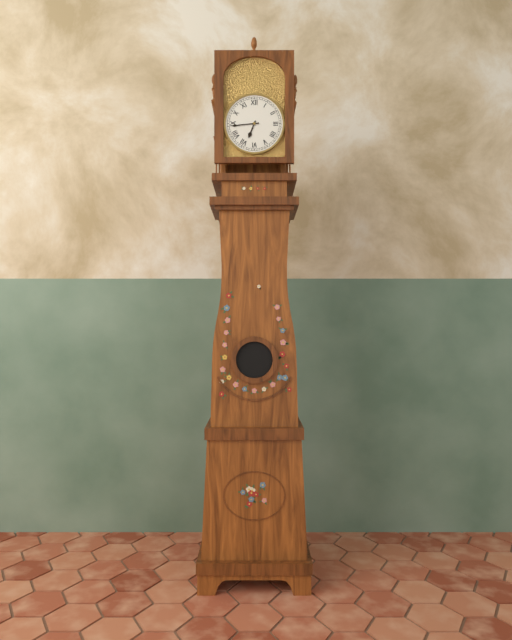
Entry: 6 h 44 min
